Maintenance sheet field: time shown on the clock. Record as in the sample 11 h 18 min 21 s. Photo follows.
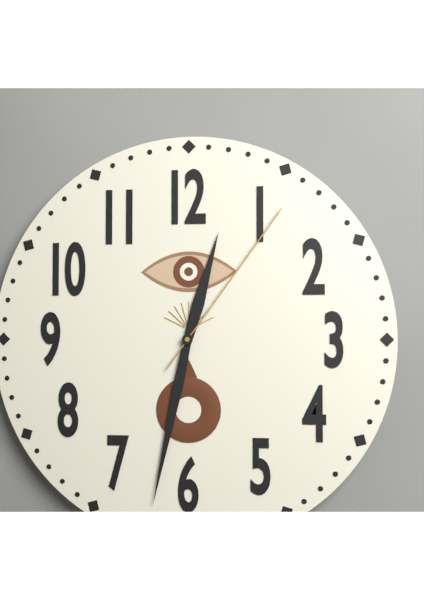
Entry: 12 h 32 min 06 s
